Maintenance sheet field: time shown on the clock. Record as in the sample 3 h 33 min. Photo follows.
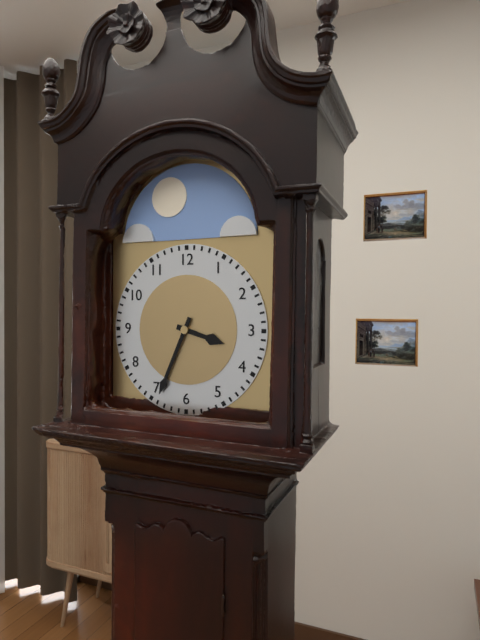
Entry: 3 h 34 min
